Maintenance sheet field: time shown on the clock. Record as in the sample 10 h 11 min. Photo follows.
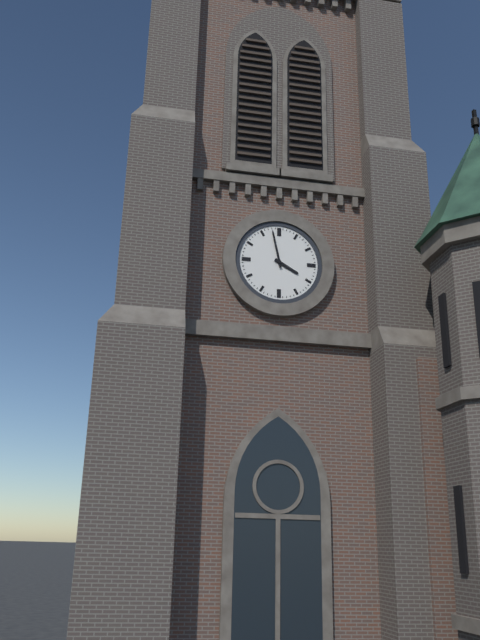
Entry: 3 h 58 min
